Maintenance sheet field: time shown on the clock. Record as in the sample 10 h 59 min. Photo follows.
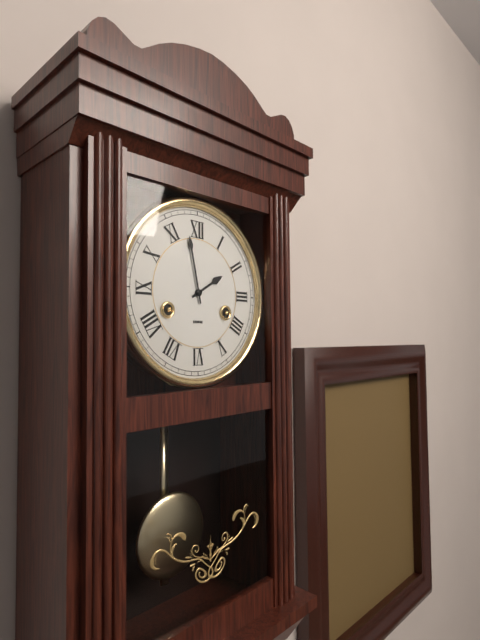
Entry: 1 h 58 min
